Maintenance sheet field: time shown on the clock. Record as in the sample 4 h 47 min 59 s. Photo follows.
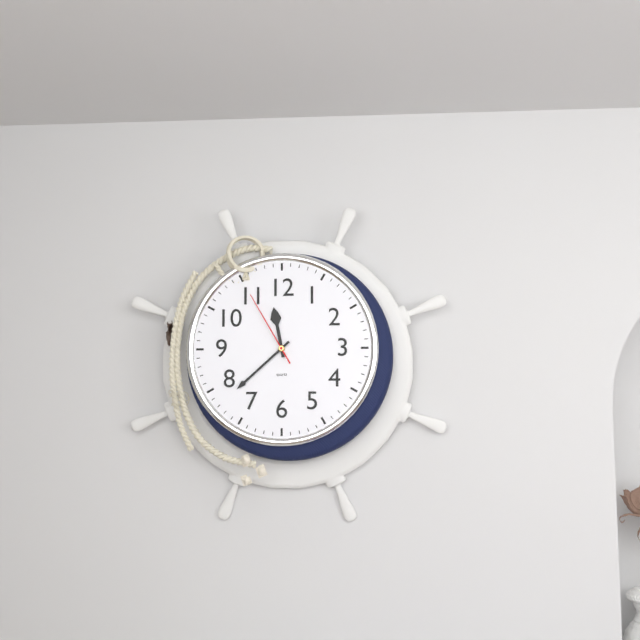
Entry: 11 h 38 min 55 s
